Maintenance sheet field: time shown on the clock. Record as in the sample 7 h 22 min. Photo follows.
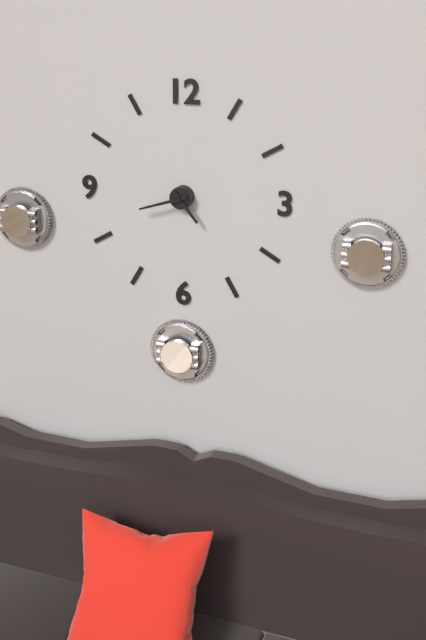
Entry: 4 h 42 min
